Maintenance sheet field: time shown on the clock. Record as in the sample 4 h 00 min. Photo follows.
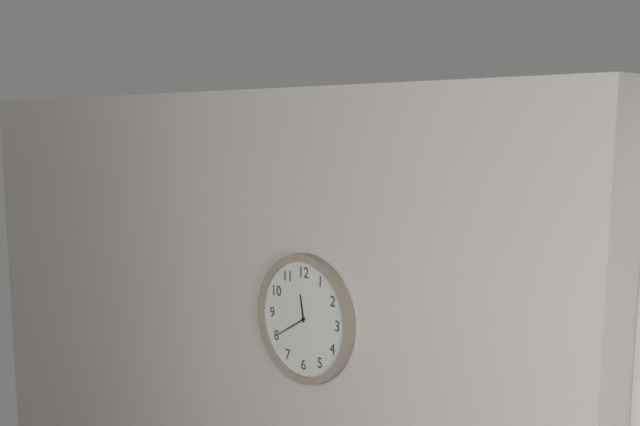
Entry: 11 h 40 min
